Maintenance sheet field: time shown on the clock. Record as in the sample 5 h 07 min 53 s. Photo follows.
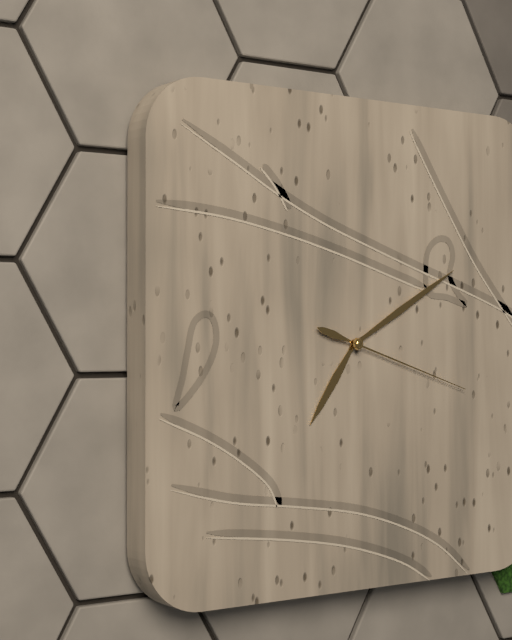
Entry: 7 h 10 min 18 s
